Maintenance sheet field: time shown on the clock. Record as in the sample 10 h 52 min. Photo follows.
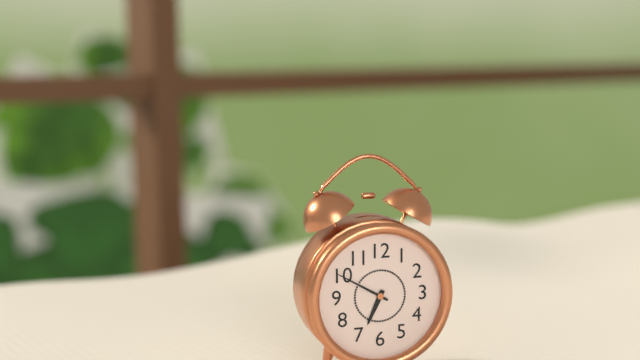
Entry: 6 h 50 min
